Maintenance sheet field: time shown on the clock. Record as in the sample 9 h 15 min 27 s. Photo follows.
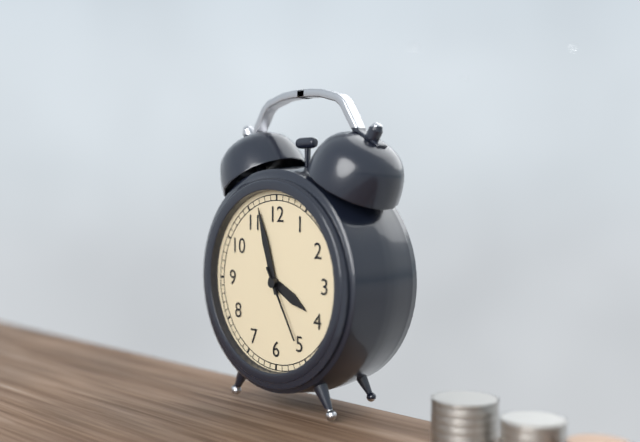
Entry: 3 h 57 min 25 s
